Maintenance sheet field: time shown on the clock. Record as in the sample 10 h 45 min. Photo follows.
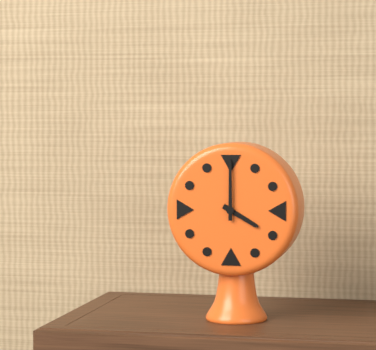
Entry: 4 h 00 min
